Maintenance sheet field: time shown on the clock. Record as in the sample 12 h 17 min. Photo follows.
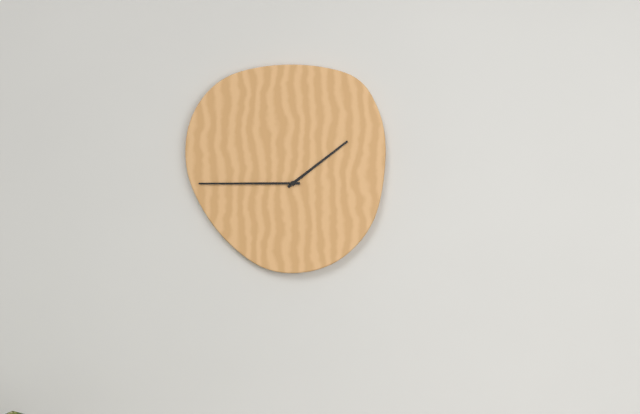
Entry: 1 h 45 min
